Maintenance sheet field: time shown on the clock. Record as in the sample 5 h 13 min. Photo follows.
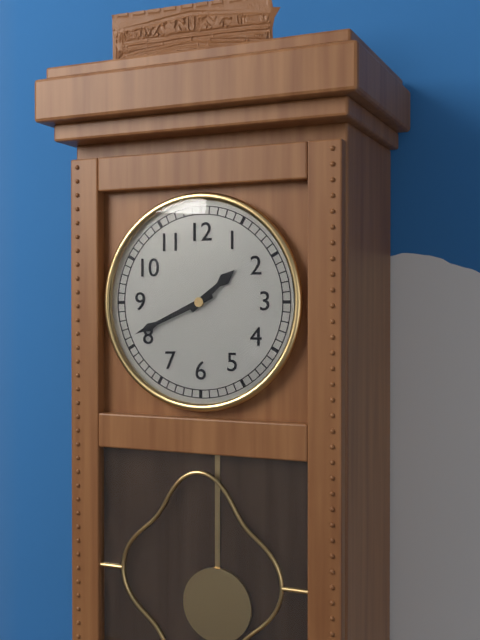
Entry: 1 h 41 min
